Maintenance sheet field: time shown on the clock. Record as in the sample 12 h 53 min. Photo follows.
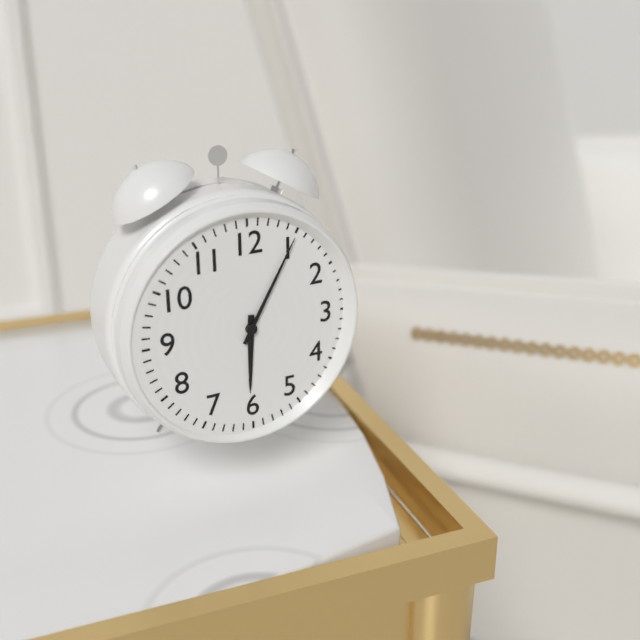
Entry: 6 h 05 min
